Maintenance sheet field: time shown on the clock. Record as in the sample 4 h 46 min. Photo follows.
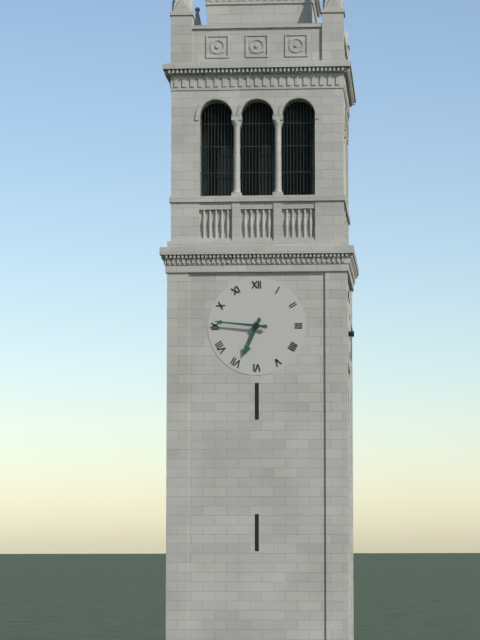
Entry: 6 h 46 min
